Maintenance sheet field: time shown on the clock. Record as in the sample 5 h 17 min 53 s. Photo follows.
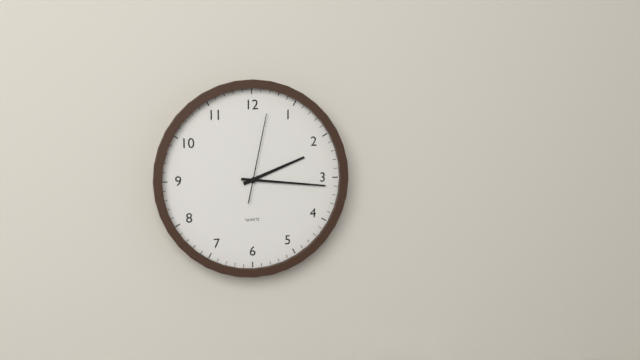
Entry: 2 h 16 min 02 s
